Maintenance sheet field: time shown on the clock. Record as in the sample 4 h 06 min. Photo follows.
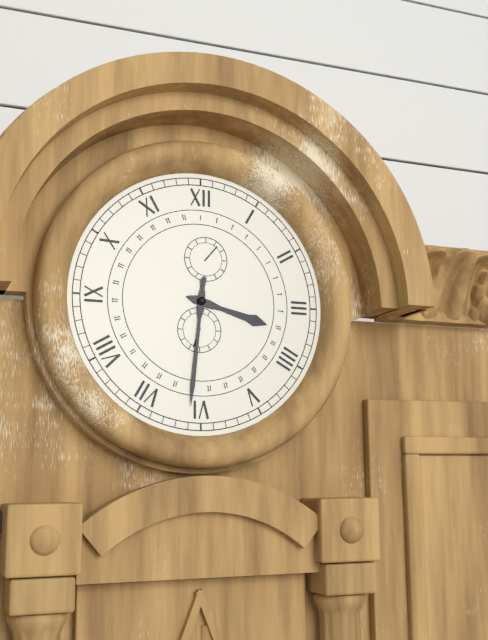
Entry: 3 h 31 min
